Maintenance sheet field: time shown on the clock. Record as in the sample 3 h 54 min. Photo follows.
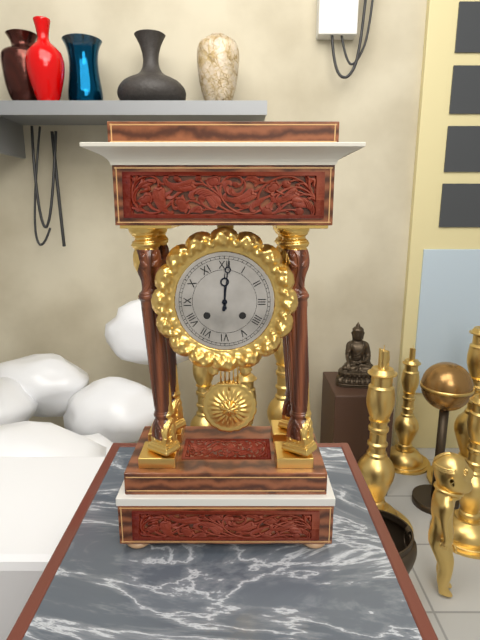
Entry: 12 h 01 min
